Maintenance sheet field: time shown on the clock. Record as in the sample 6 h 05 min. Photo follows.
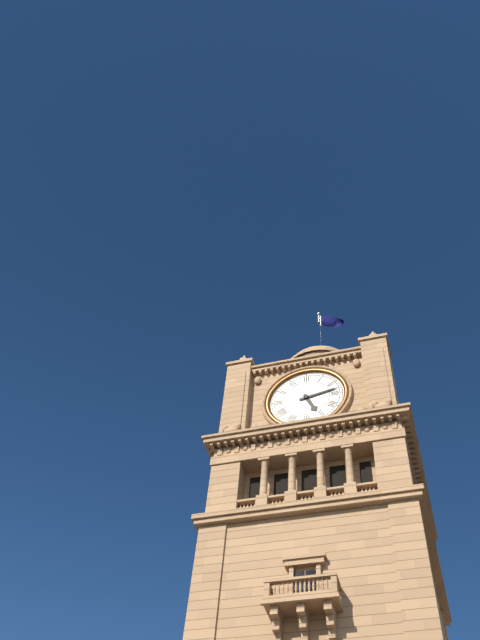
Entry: 5 h 13 min
